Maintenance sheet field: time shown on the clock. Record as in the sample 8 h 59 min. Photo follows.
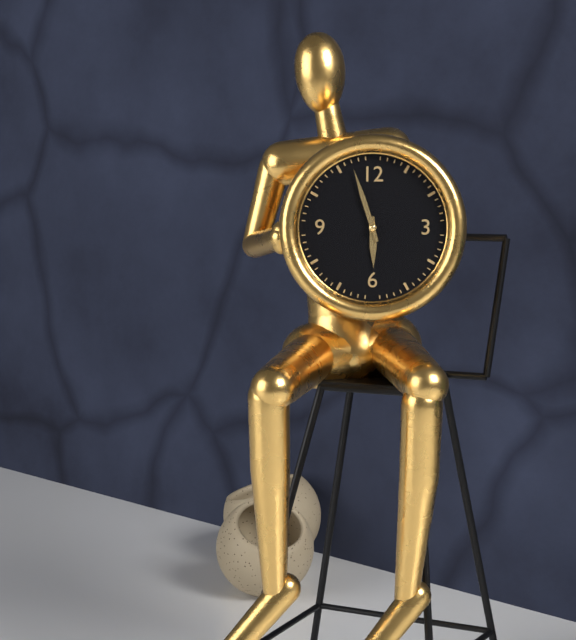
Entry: 5 h 57 min
